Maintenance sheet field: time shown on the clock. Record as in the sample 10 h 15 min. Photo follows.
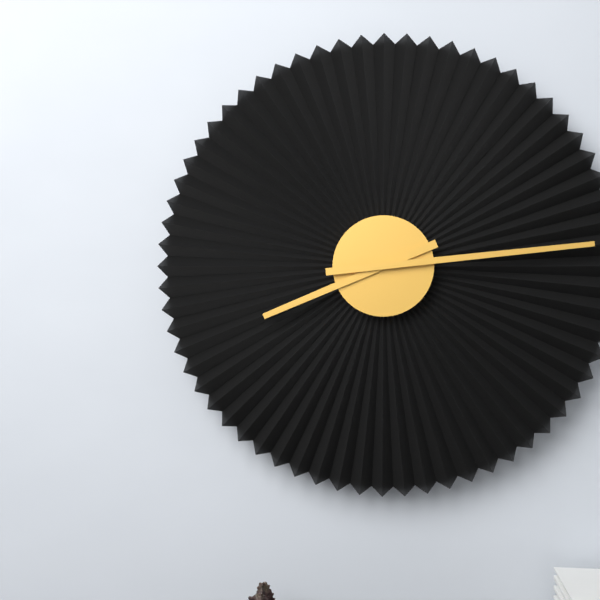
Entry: 8 h 14 min
